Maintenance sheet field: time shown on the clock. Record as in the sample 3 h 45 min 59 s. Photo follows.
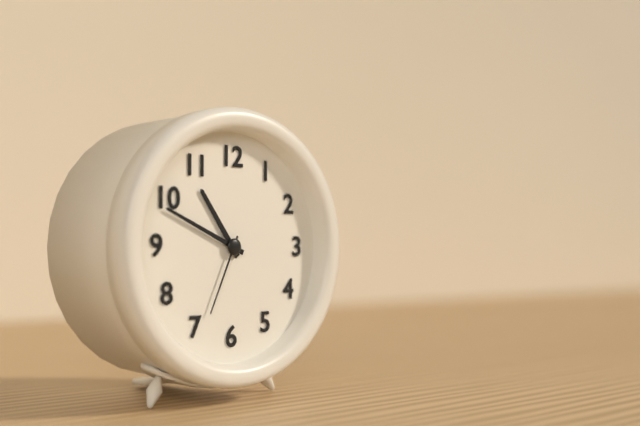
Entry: 10 h 49 min 34 s
